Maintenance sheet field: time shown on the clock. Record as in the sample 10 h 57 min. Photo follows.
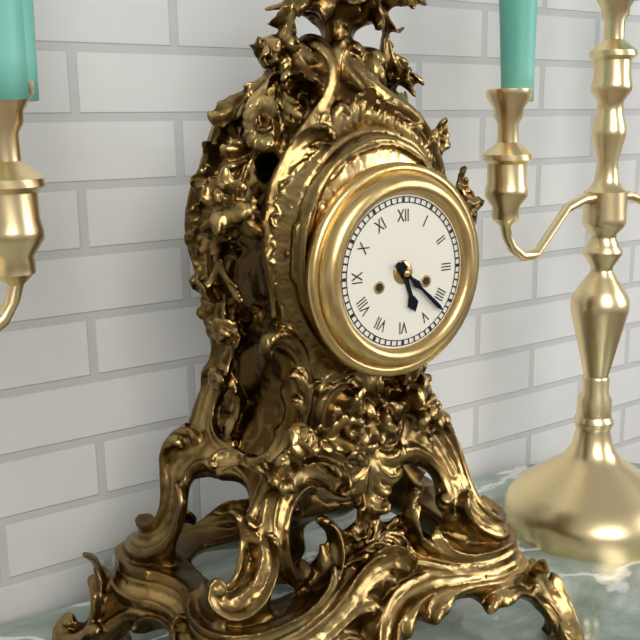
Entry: 5 h 22 min
